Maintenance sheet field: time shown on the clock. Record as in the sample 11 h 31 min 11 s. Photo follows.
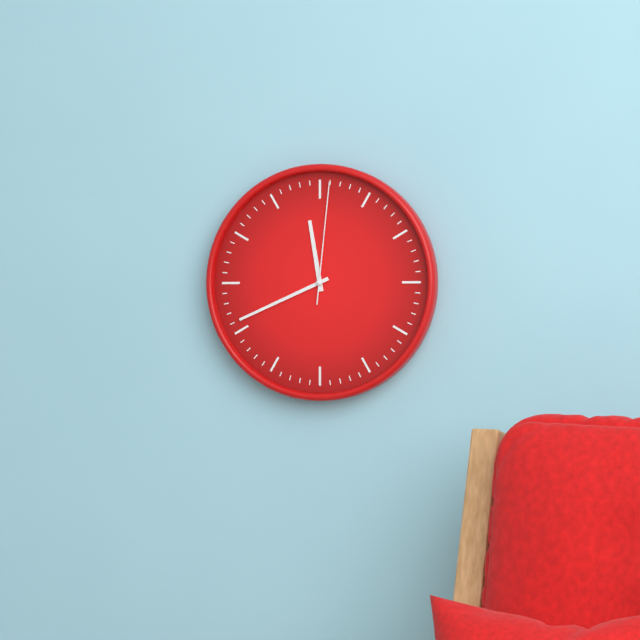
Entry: 11 h 41 min 01 s
